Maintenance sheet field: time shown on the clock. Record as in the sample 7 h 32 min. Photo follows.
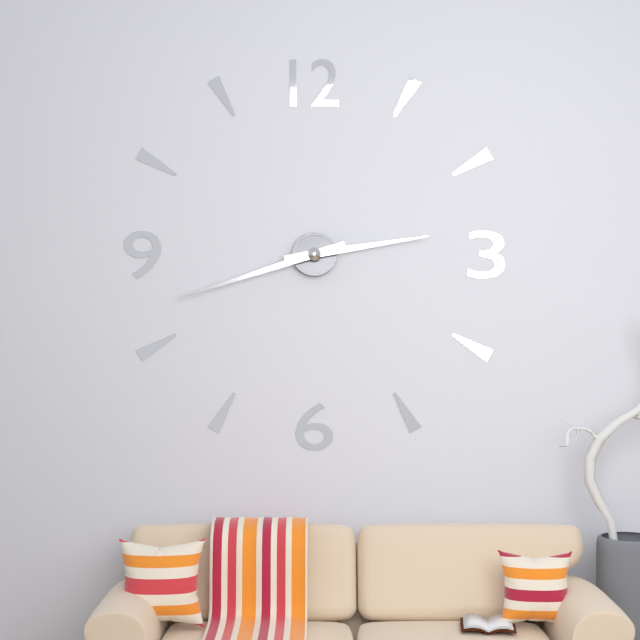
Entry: 2 h 42 min
